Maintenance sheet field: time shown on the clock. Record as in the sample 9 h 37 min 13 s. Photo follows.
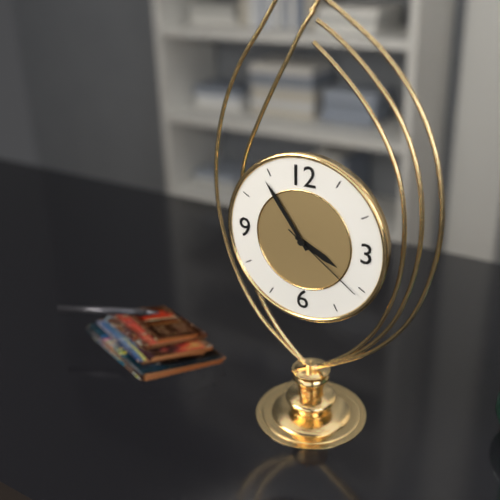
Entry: 3 h 54 min 21 s
